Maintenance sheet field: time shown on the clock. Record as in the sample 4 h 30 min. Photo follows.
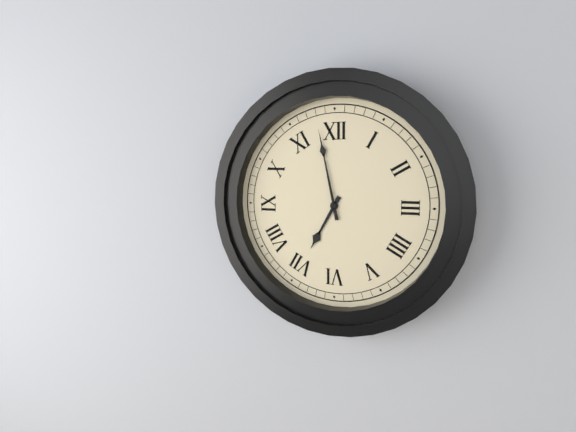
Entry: 6 h 58 min
